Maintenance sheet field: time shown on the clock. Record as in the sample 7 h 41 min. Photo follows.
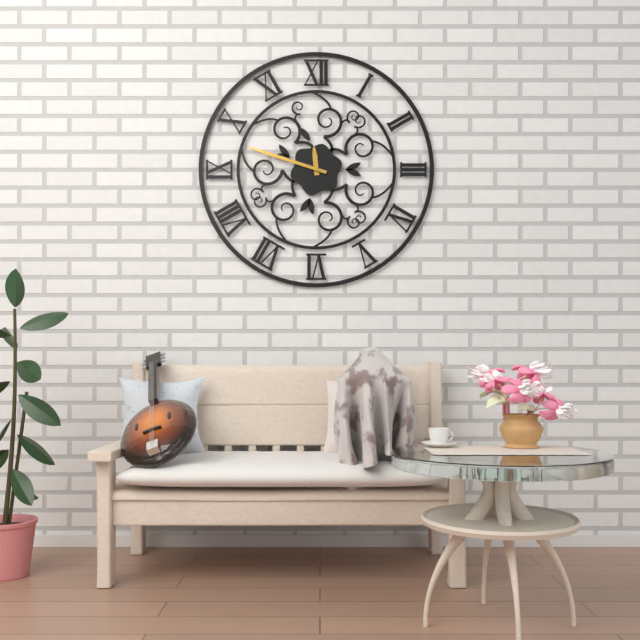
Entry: 11 h 48 min
